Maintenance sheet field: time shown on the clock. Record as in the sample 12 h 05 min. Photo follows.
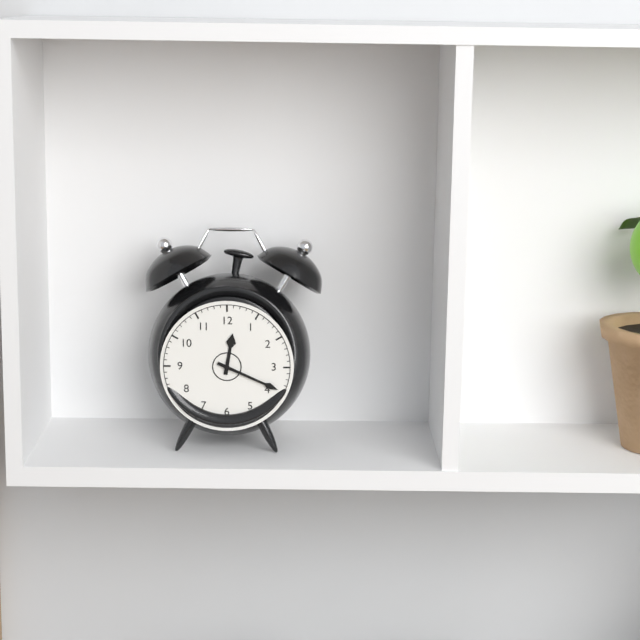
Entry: 12 h 19 min
